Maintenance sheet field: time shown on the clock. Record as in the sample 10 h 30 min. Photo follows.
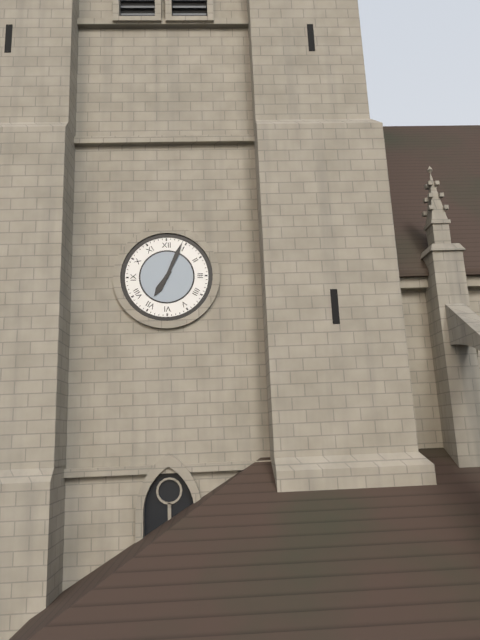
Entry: 7 h 04 min
